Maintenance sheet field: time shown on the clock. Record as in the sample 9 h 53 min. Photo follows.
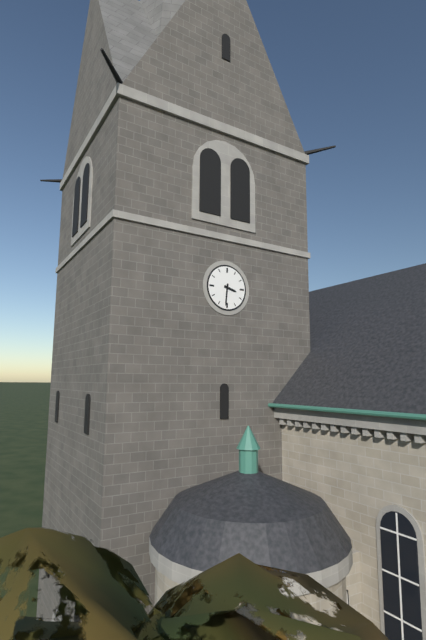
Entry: 3 h 31 min
